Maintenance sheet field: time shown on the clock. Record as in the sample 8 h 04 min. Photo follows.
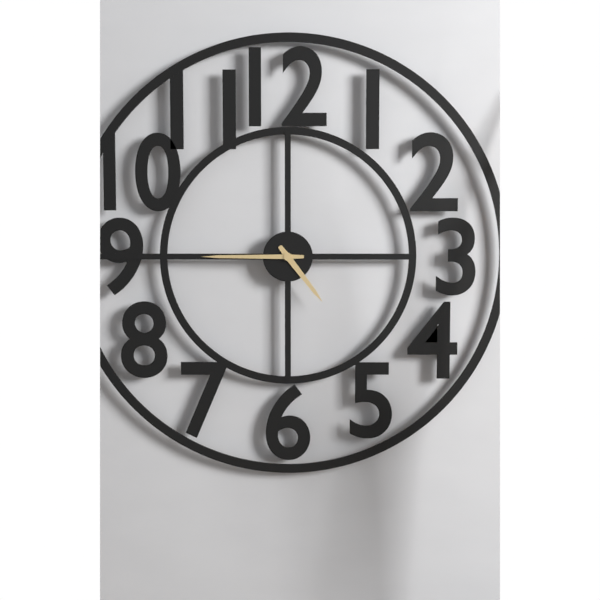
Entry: 4 h 45 min
